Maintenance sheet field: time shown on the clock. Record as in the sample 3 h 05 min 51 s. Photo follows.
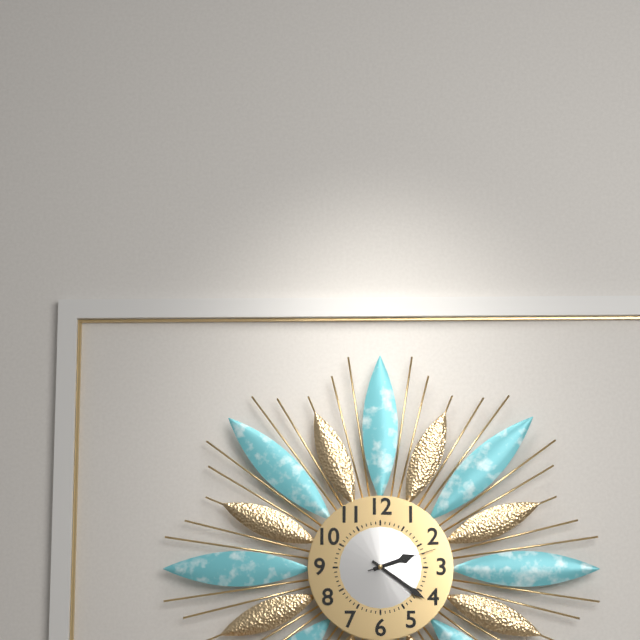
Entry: 2 h 21 min 12 s
